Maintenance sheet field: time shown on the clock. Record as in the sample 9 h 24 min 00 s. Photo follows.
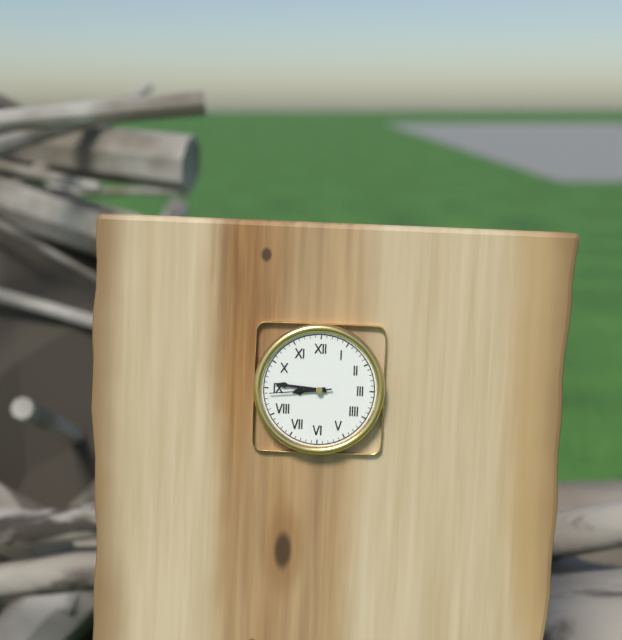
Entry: 8 h 46 min 44 s
